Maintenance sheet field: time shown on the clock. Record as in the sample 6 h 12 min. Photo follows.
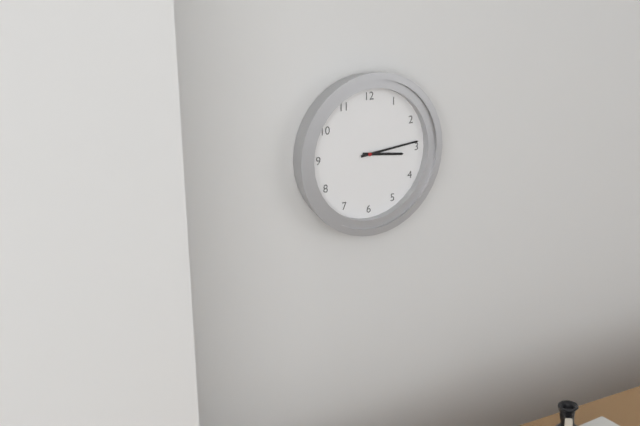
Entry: 3 h 14 min
